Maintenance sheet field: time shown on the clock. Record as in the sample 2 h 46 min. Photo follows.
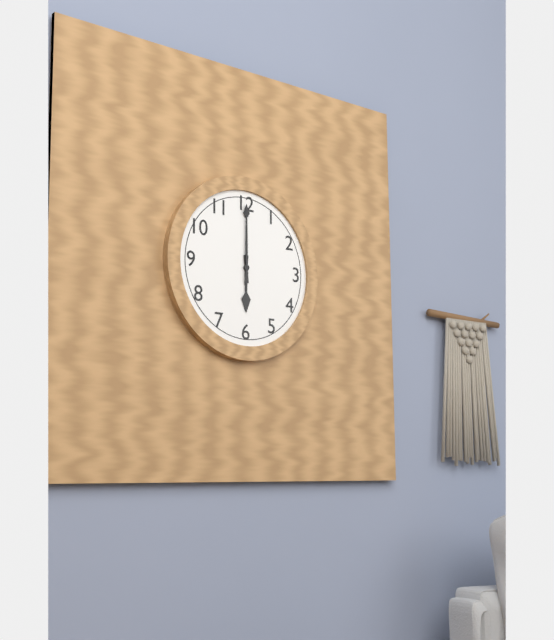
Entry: 6 h 00 min
